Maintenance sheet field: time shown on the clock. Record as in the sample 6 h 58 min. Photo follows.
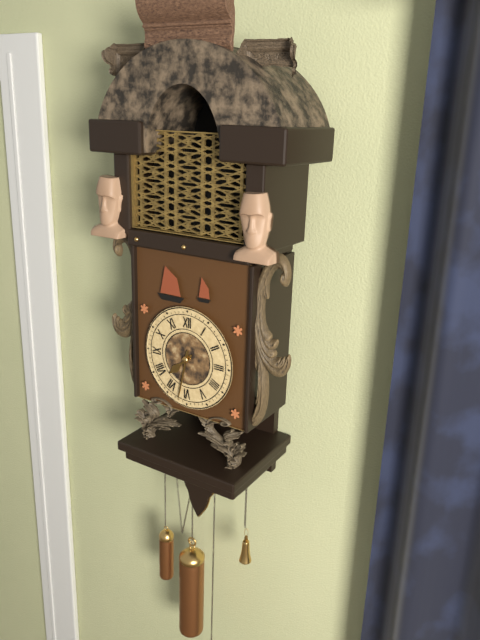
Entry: 7 h 32 min
